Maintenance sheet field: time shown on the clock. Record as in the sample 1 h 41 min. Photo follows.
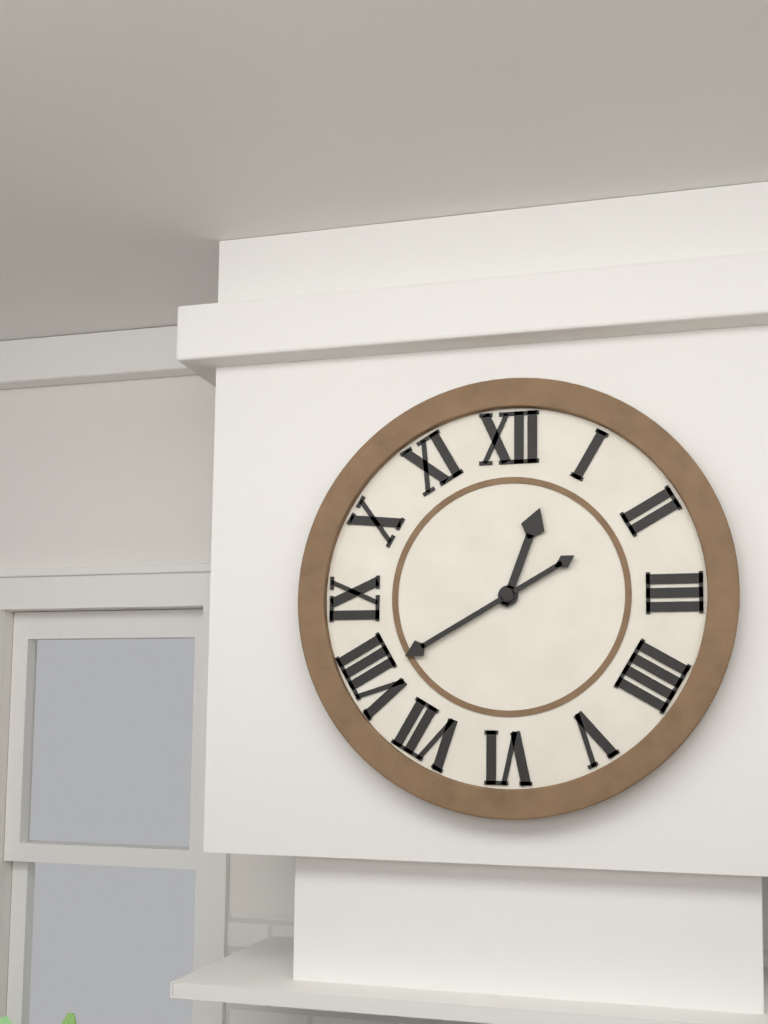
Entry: 12 h 40 min
